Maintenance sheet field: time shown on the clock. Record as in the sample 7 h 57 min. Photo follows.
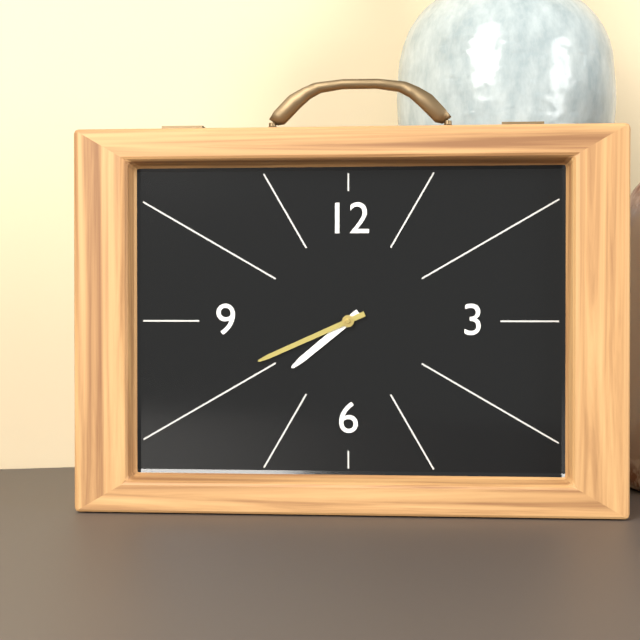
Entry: 7 h 41 min
